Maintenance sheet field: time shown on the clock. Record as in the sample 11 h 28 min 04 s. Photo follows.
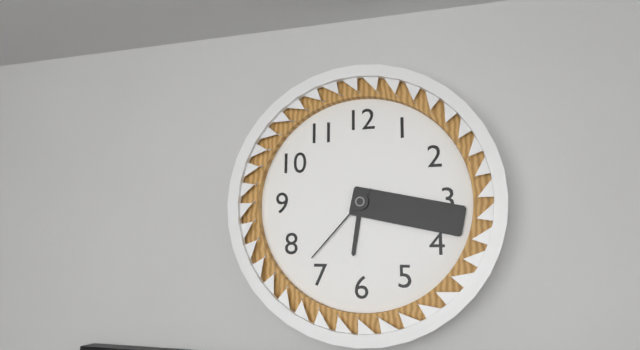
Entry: 6 h 17 min 37 s
